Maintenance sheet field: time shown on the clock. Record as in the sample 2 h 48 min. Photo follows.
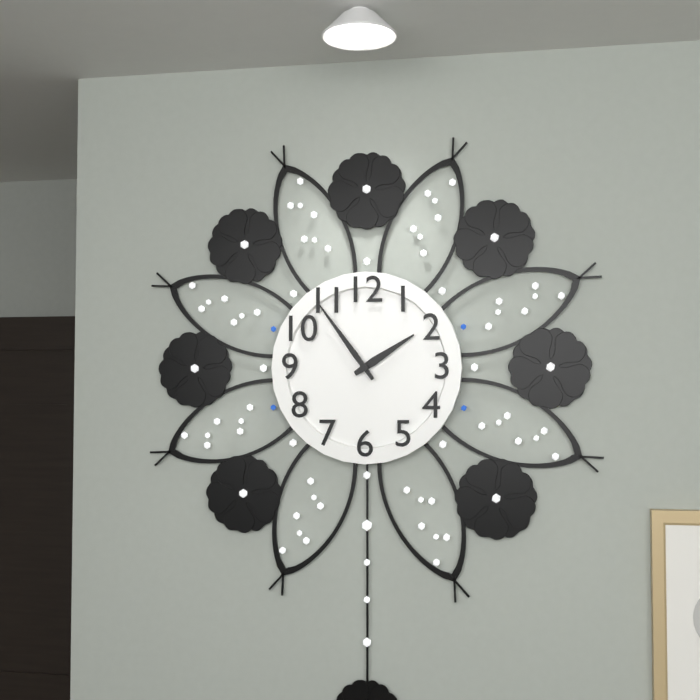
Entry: 1 h 54 min
